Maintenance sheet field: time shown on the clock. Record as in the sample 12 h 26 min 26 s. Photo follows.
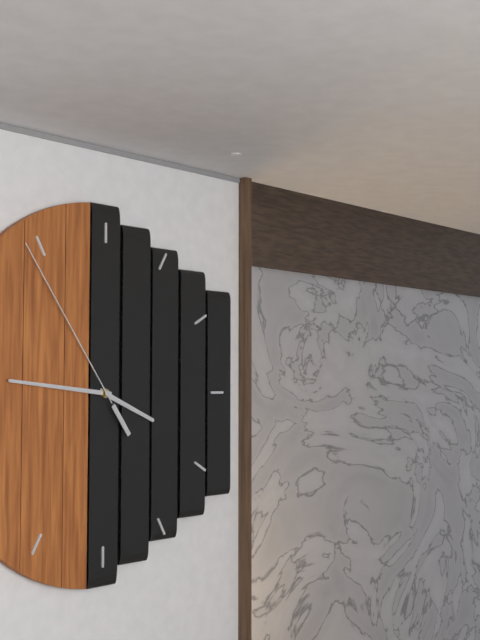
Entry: 3 h 46 min 54 s
